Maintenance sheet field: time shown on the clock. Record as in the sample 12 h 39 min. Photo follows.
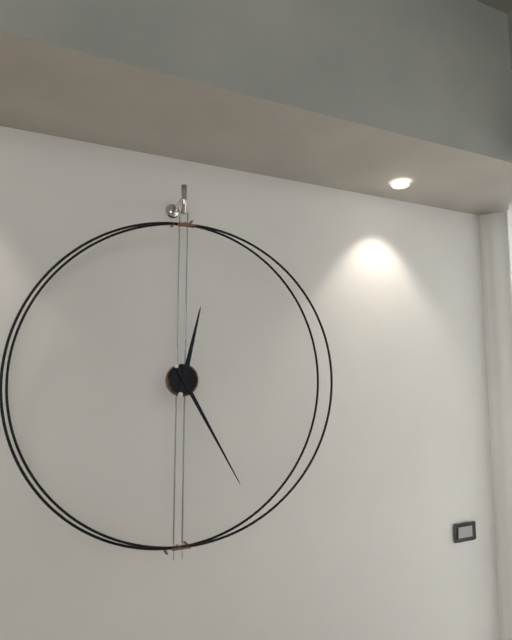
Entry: 12 h 25 min
